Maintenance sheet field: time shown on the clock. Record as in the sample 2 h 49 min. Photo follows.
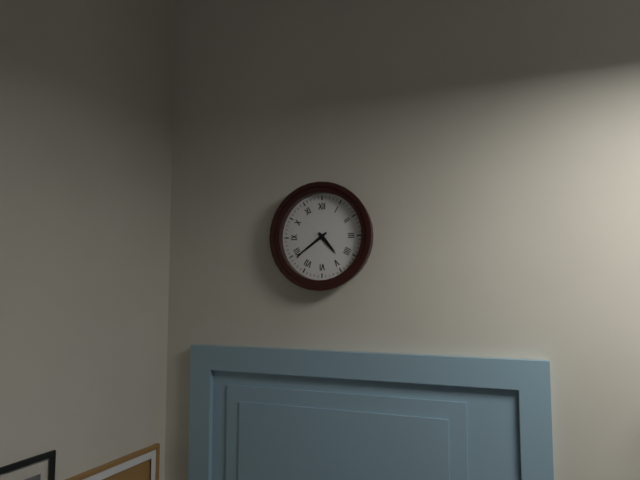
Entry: 4 h 39 min
